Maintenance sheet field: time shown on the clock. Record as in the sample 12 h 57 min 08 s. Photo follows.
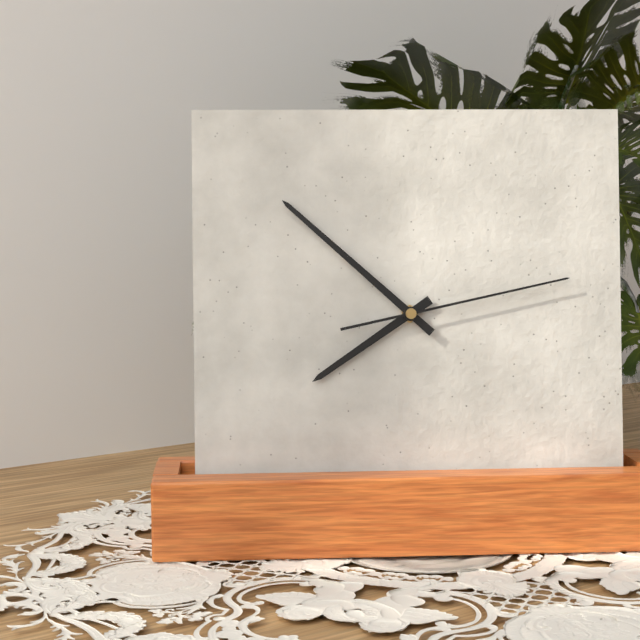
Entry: 7 h 52 min 13 s
